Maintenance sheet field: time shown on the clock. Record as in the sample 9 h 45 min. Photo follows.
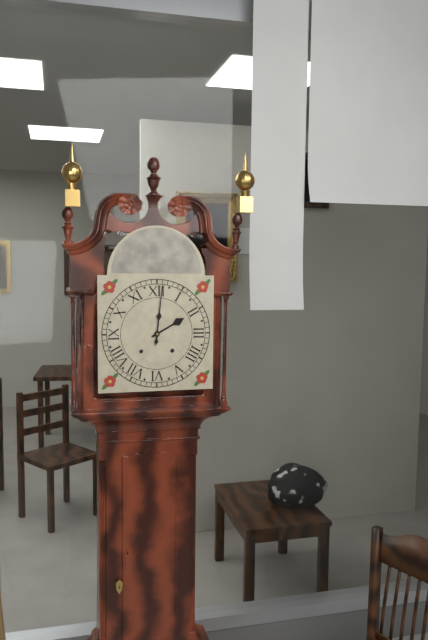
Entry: 2 h 01 min
